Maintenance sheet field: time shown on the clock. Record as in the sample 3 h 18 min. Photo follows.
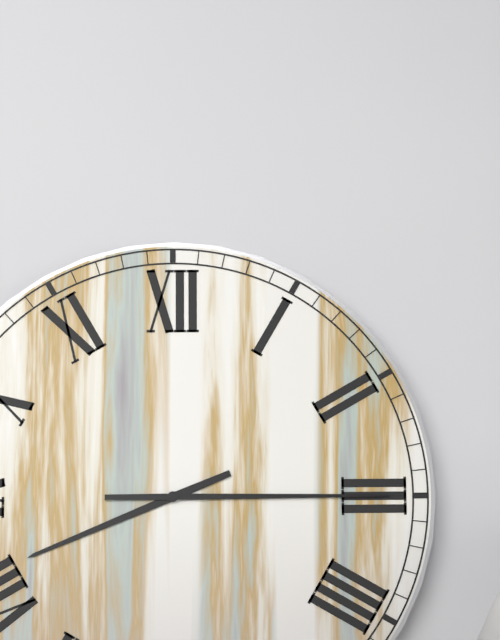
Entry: 8 h 15 min
